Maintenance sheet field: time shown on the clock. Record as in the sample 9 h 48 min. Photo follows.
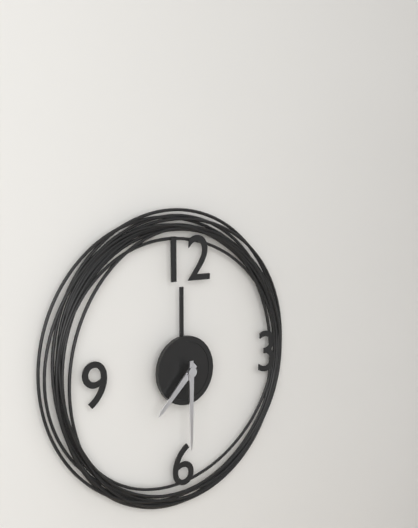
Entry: 7 h 30 min
